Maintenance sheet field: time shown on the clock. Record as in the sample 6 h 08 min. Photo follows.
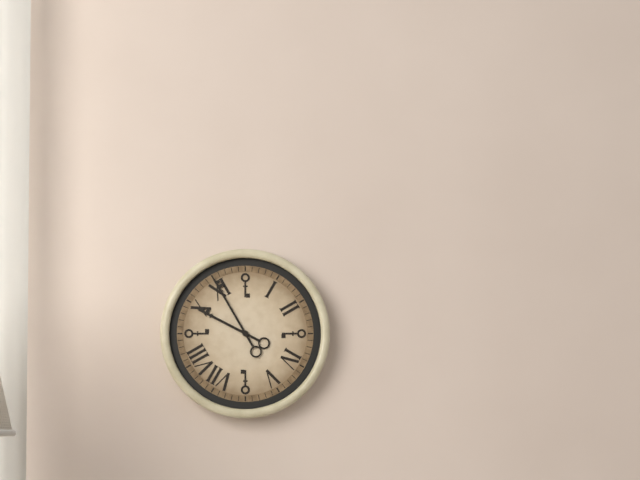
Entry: 9 h 55 min
